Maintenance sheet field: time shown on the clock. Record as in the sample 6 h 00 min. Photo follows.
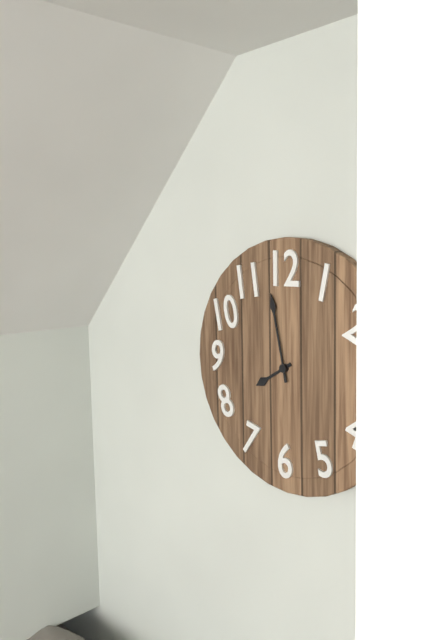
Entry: 7 h 58 min
